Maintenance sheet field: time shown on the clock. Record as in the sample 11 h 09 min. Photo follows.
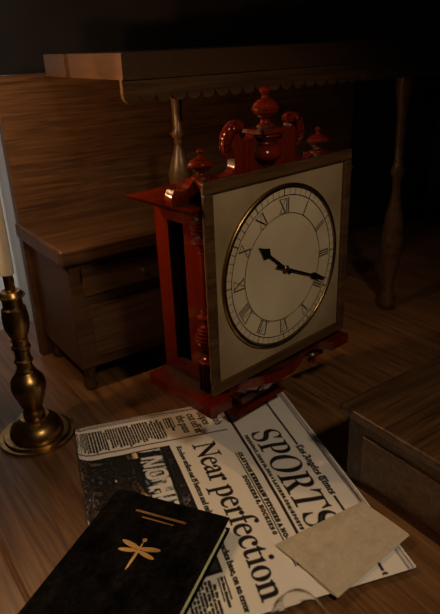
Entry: 10 h 19 min
